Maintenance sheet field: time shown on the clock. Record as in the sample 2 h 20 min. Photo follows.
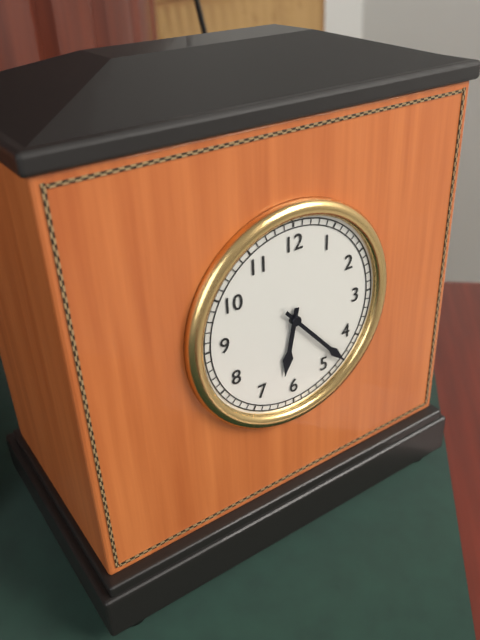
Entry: 6 h 23 min
